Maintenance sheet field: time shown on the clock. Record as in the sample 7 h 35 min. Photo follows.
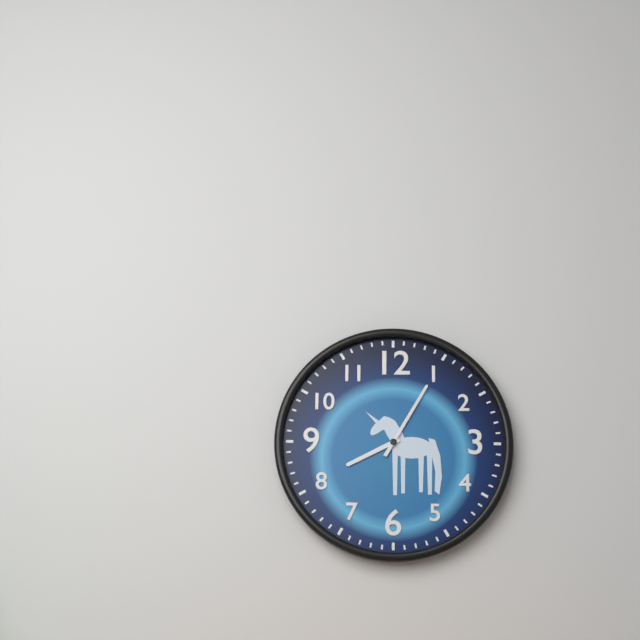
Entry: 8 h 05 min
